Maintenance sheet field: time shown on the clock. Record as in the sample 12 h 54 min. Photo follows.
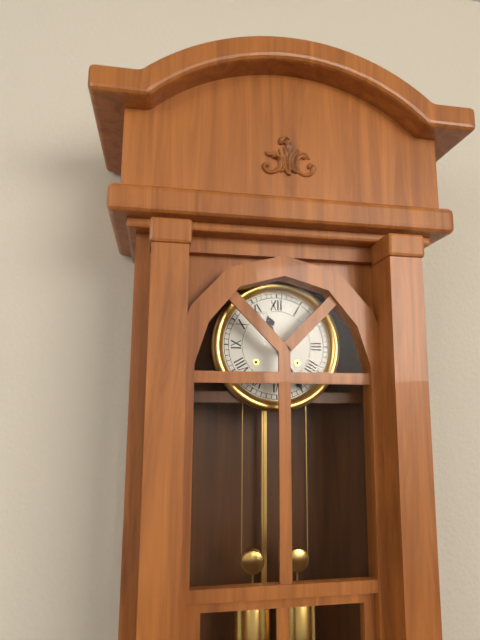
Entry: 11 h 25 min
